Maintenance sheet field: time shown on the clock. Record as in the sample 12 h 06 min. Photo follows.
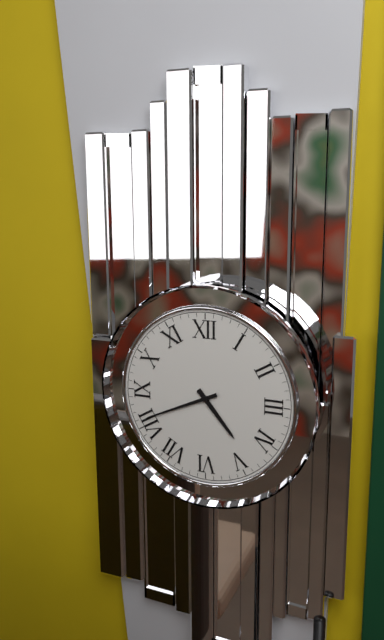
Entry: 4 h 41 min
